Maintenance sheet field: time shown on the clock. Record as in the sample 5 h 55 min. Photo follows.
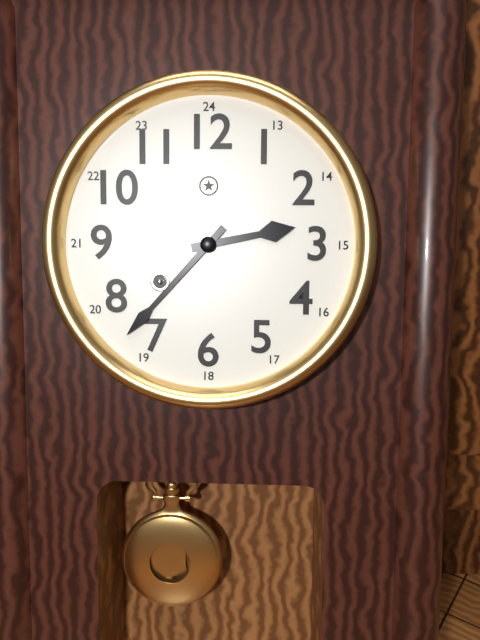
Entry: 2 h 37 min
